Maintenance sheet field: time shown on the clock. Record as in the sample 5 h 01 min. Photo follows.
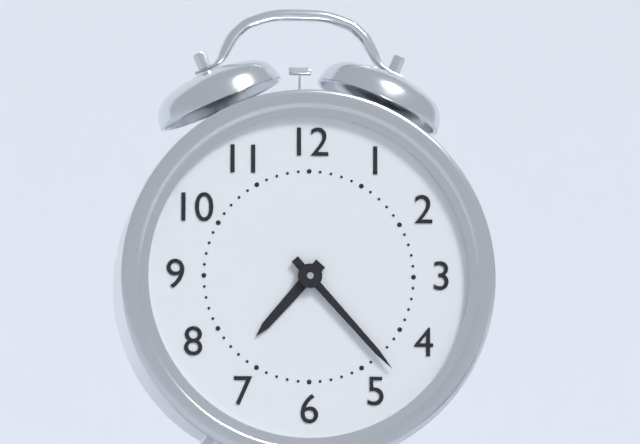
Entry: 7 h 23 min
